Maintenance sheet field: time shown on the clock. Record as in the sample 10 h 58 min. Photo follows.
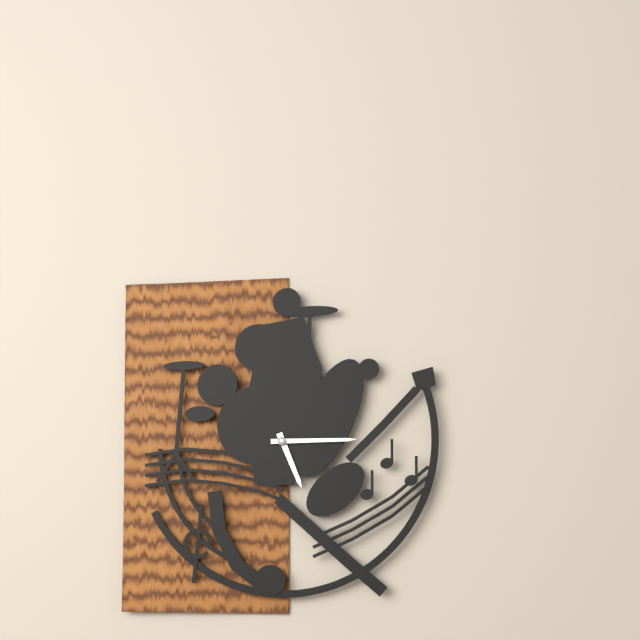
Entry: 5 h 15 min
